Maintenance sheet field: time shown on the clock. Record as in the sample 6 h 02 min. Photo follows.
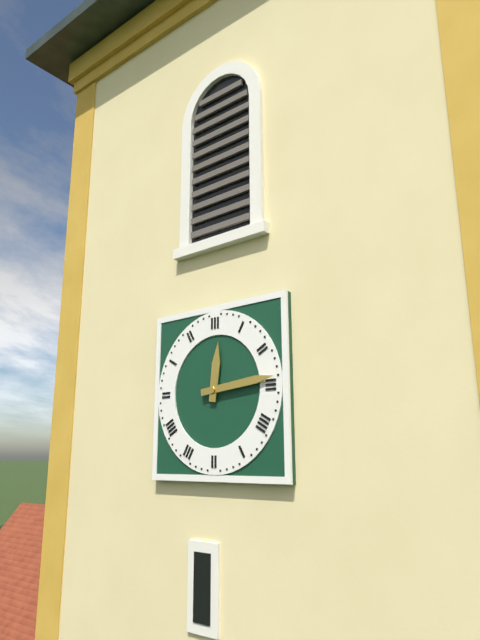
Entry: 12 h 14 min
